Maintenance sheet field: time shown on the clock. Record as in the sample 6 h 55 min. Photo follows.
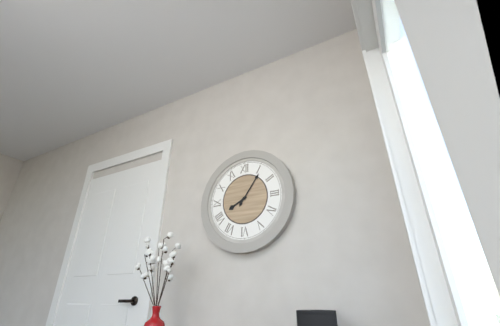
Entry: 8 h 06 min
